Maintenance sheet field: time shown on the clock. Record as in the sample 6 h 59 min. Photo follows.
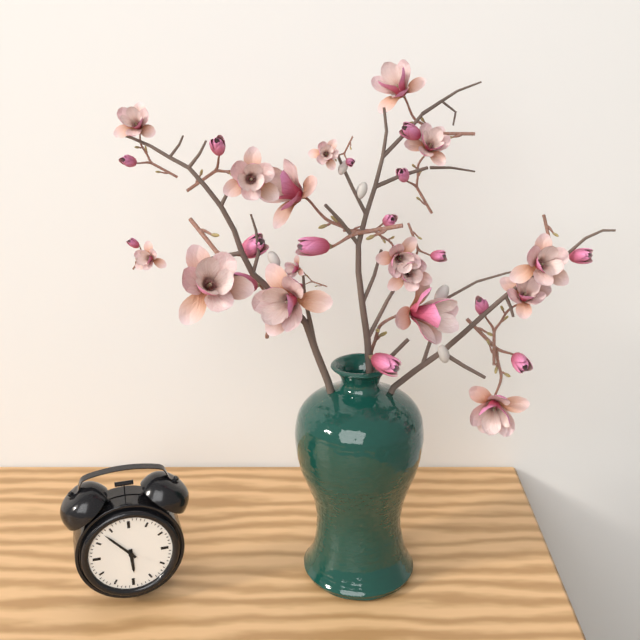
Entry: 5 h 53 min
